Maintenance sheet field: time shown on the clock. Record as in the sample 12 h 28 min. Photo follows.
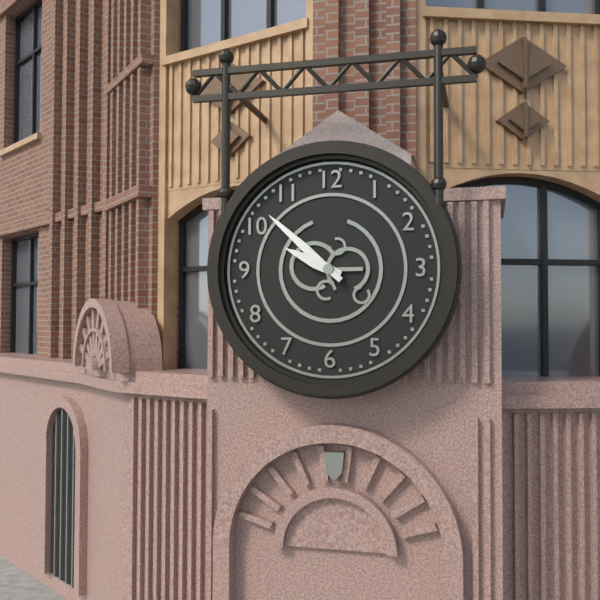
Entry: 9 h 52 min
